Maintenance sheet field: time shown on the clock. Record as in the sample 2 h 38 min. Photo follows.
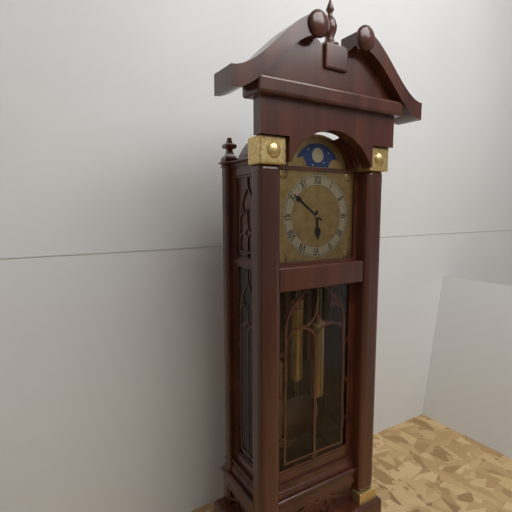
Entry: 5 h 51 min
